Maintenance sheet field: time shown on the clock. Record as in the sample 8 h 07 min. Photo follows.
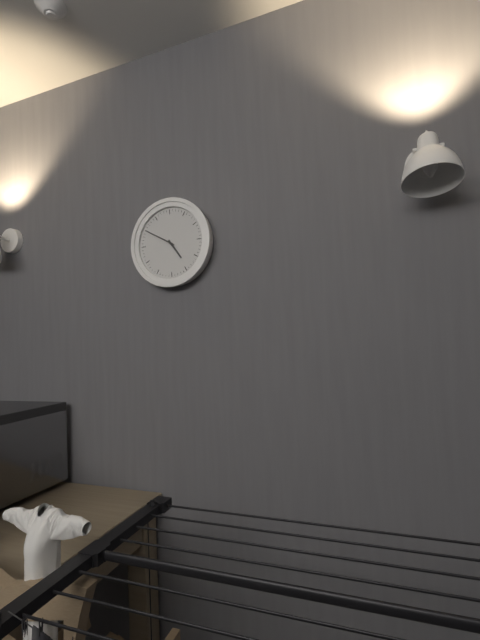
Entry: 4 h 50 min
